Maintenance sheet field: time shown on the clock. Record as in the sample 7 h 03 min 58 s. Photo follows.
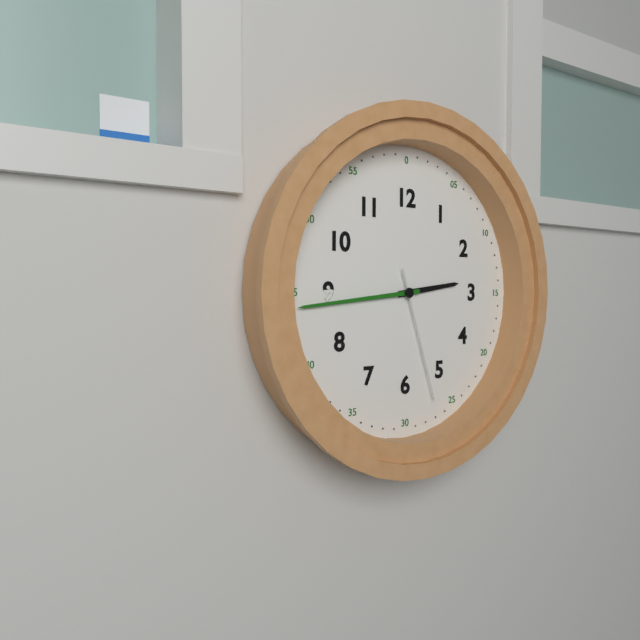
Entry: 2 h 44 min 27 s
